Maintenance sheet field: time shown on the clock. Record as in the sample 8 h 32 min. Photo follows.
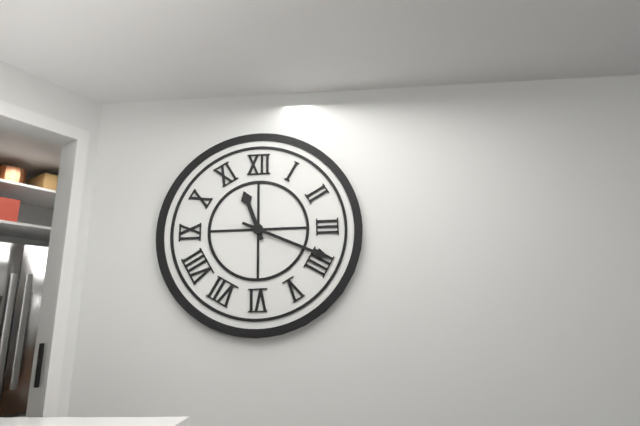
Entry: 11 h 19 min
